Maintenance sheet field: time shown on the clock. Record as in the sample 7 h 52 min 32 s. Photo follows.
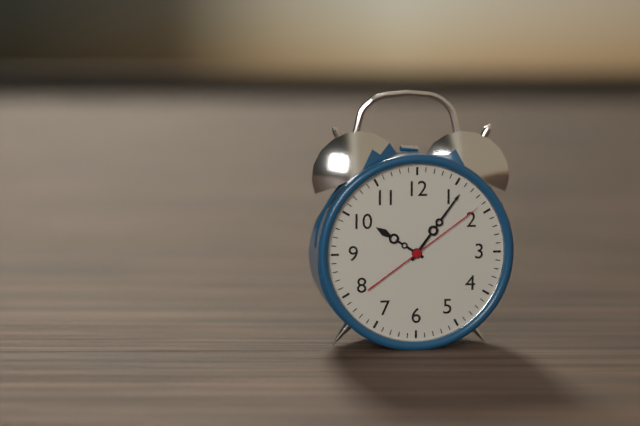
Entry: 10 h 06 min 09 s
